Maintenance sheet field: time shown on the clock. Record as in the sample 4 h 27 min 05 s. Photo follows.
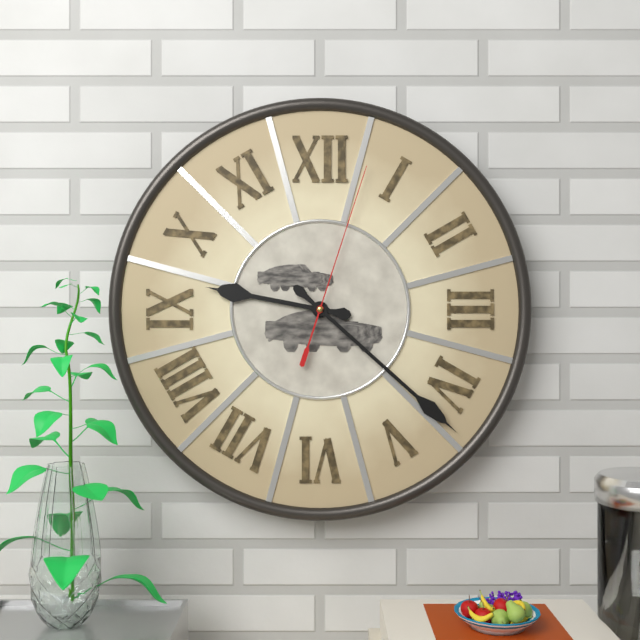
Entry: 9 h 22 min 03 s
